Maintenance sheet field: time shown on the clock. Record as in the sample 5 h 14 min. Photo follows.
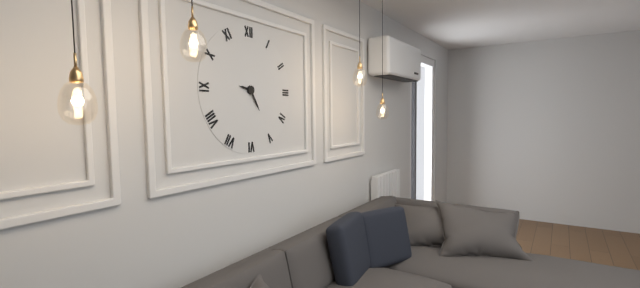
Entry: 9 h 25 min
